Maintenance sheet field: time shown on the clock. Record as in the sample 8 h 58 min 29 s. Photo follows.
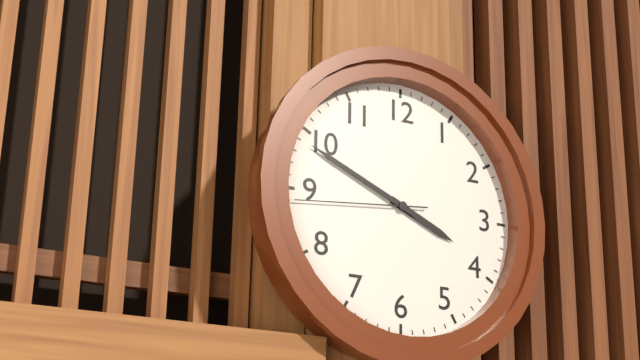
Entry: 3 h 49 min 44 s
